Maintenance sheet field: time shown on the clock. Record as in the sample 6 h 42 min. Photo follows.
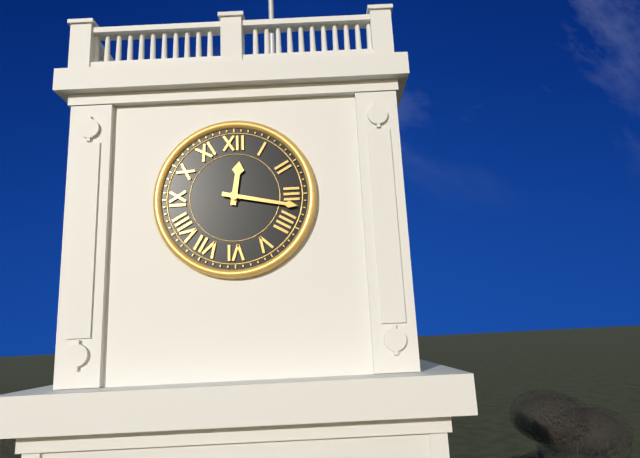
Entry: 12 h 17 min
